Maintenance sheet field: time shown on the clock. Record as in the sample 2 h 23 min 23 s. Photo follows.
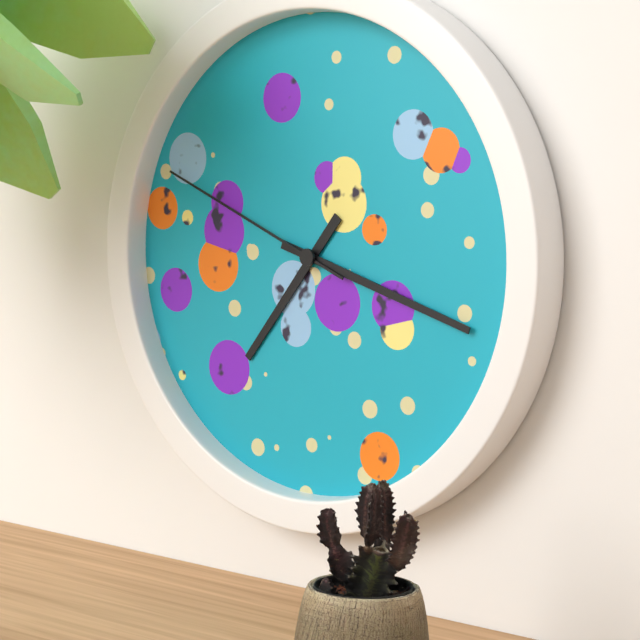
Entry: 7 h 18 min 49 s
